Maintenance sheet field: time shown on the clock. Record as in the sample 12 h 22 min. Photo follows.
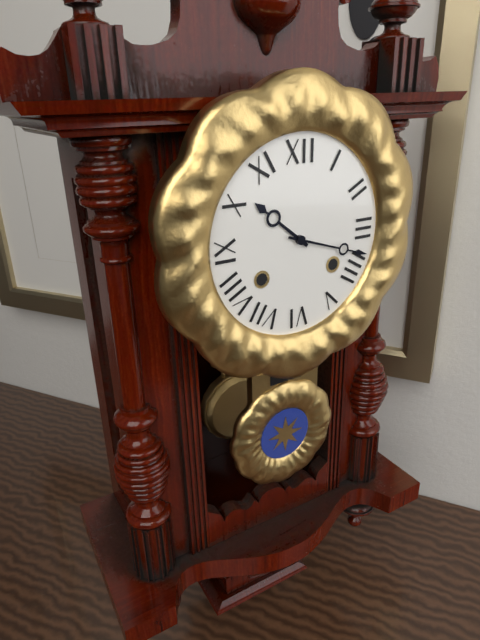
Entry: 10 h 18 min
